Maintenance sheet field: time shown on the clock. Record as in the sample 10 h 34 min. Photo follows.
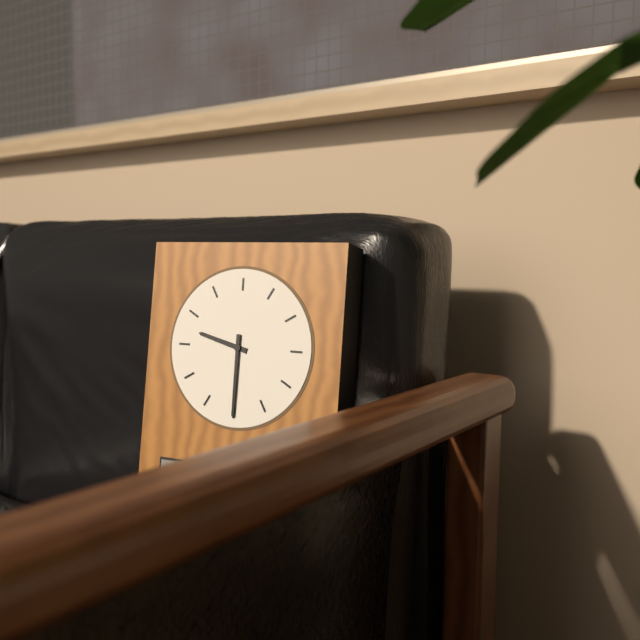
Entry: 9 h 30 min
